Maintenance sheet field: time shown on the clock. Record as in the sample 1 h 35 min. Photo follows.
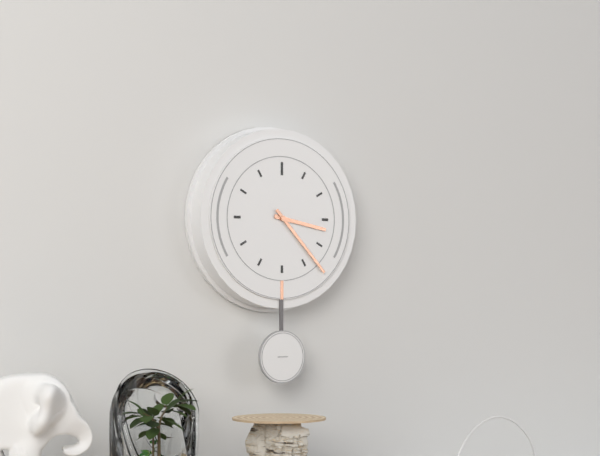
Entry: 3 h 23 min
